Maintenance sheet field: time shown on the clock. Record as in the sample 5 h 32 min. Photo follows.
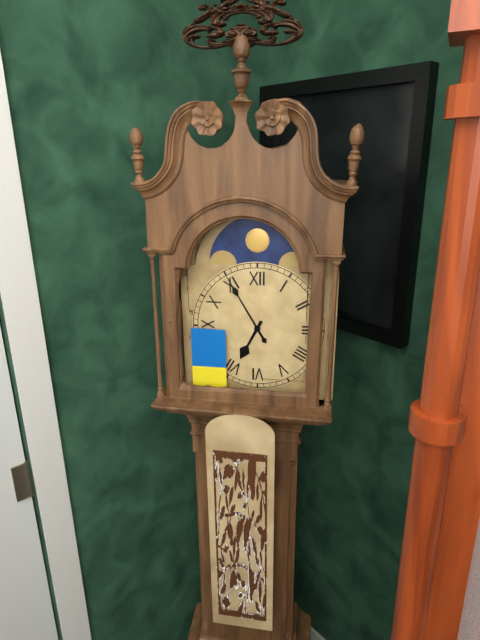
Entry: 6 h 55 min
